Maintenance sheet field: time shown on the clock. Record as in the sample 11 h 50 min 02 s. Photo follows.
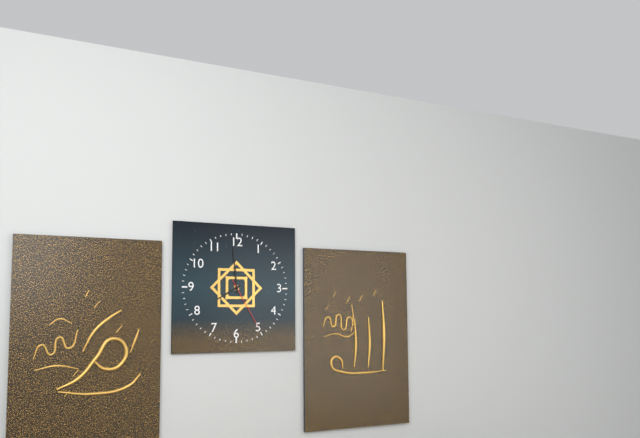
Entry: 7 h 59 min 25 s
